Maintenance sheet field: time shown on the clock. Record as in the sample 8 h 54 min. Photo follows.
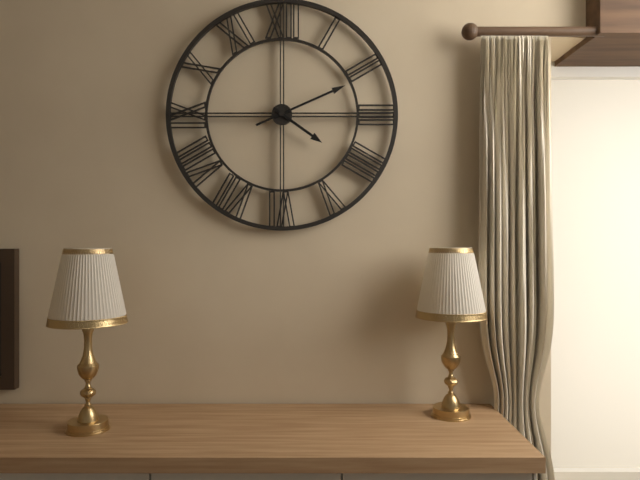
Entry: 4 h 11 min
